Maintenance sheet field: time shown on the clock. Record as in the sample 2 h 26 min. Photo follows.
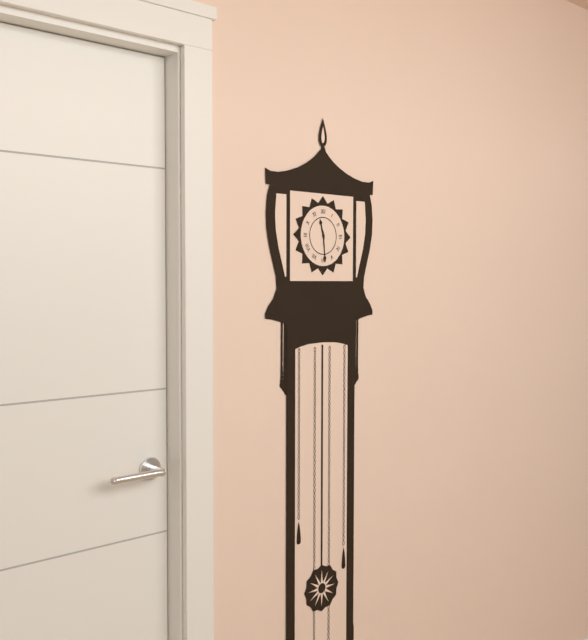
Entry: 11 h 29 min
